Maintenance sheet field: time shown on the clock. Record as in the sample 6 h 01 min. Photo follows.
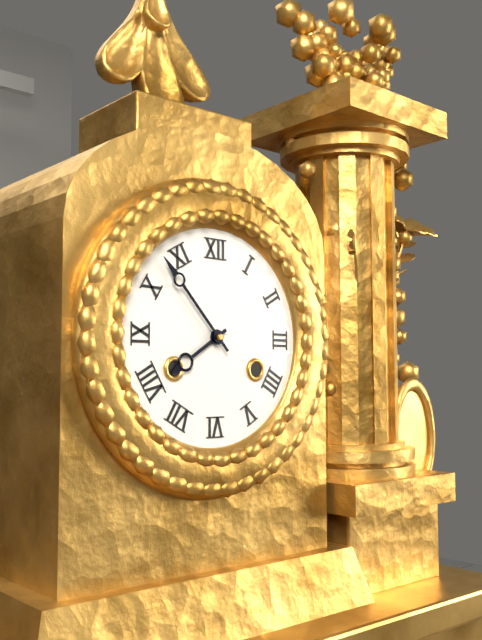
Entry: 7 h 53 min
